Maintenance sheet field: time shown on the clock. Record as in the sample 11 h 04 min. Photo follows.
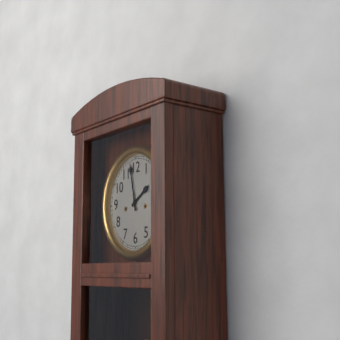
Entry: 1 h 58 min
